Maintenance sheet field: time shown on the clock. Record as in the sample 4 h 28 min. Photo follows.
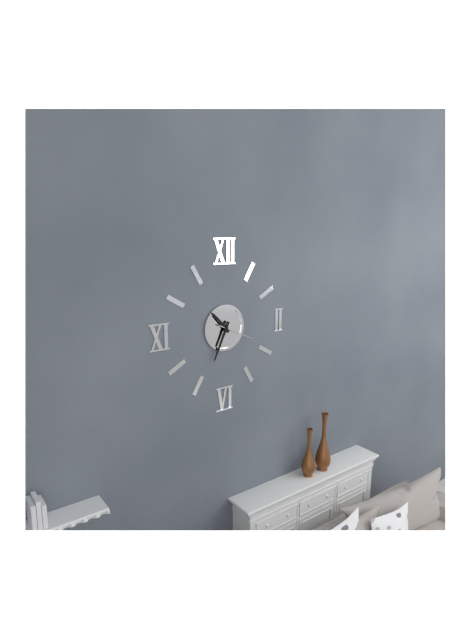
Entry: 10 h 34 min
